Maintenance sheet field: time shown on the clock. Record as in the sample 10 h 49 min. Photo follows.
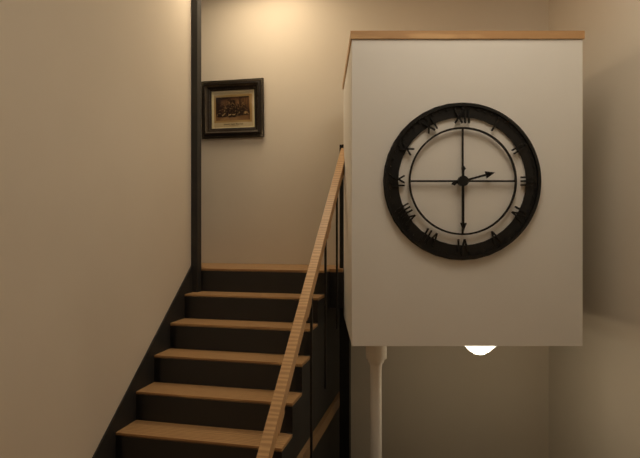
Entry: 2 h 30 min
